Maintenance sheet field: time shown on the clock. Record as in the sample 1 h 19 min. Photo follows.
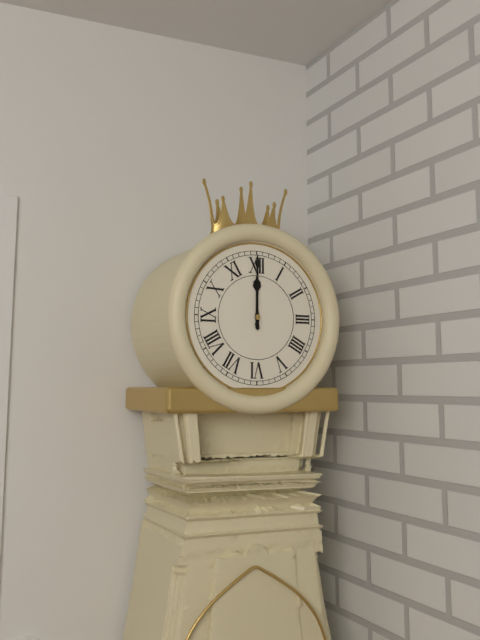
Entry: 12 h 00 min
